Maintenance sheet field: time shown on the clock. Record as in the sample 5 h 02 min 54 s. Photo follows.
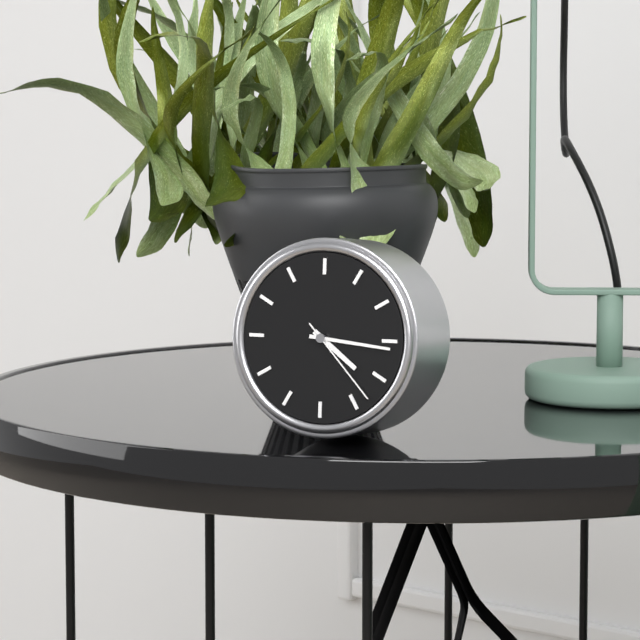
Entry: 4 h 16 min 23 s
